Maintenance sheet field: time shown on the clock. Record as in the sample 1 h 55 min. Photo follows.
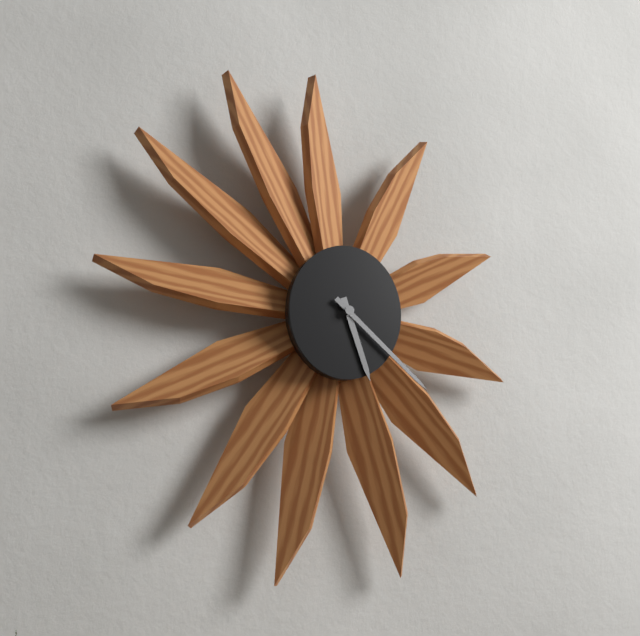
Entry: 5 h 22 min
